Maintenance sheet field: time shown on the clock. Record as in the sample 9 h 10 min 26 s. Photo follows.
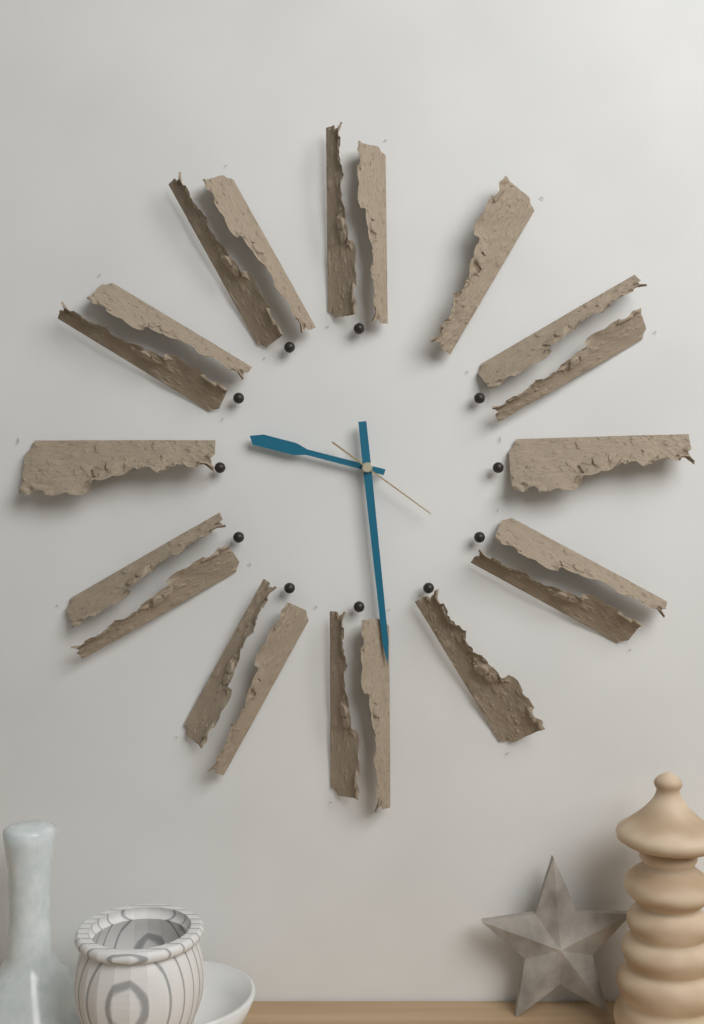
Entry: 9 h 29 min 21 s
